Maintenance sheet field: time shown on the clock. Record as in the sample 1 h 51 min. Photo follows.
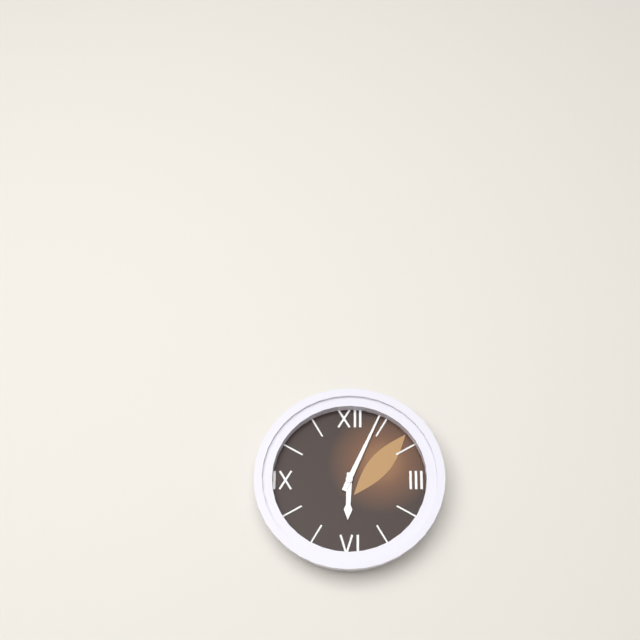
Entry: 6 h 04 min
